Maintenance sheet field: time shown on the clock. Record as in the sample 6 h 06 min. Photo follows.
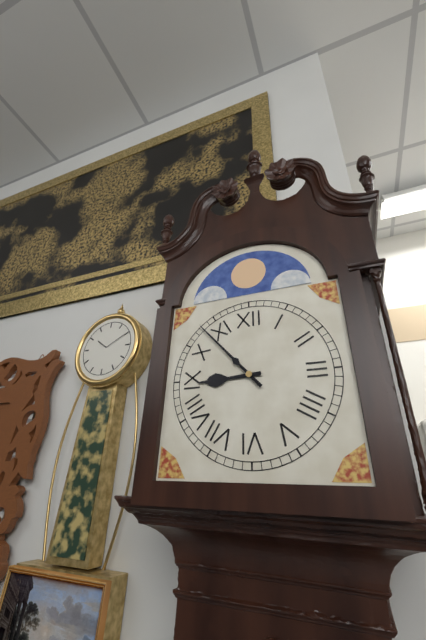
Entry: 8 h 53 min
